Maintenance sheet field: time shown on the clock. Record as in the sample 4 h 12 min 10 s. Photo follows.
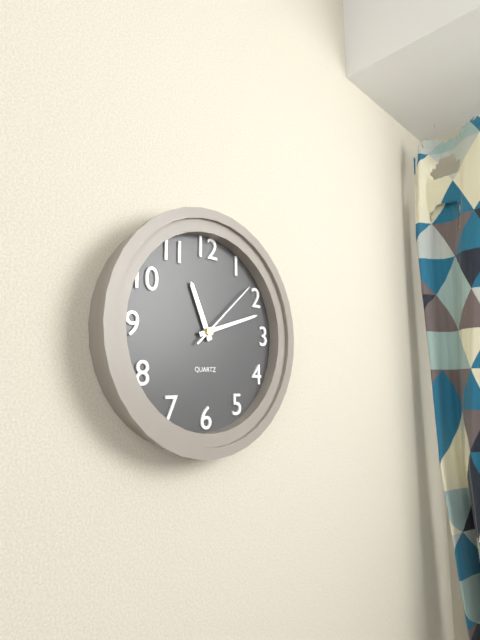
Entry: 11 h 12 min 08 s
